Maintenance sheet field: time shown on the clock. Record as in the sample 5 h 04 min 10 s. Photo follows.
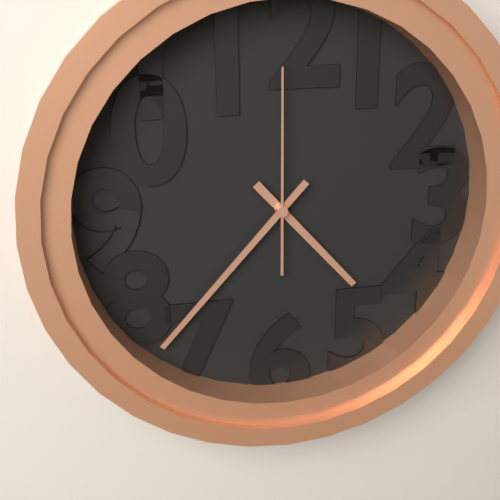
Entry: 4 h 37 min 00 s
